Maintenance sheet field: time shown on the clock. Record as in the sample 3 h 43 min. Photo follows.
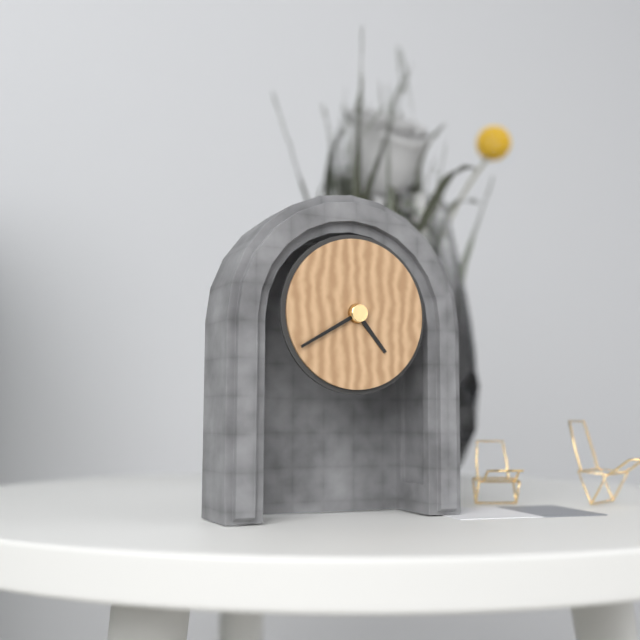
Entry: 4 h 40 min
